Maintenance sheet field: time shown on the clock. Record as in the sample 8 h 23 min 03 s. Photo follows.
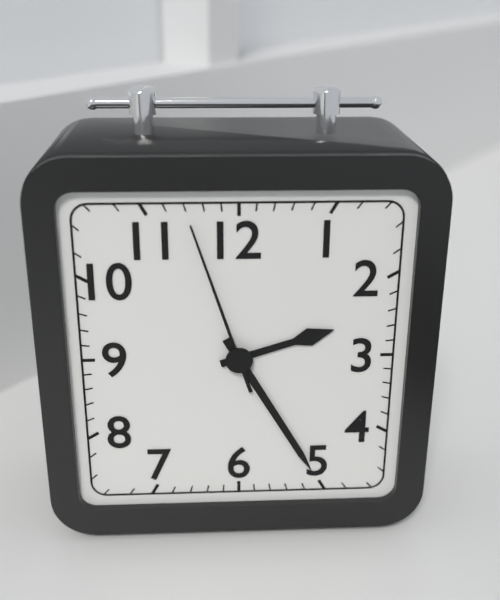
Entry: 2 h 25 min 57 s
